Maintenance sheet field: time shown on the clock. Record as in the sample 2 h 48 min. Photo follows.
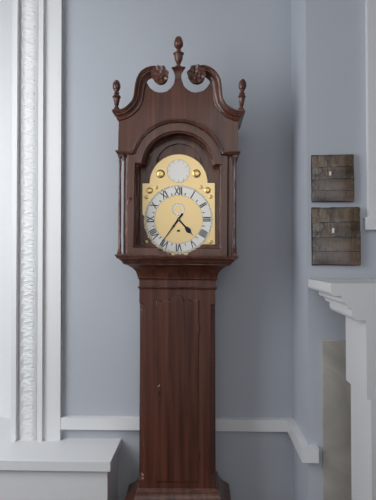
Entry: 4 h 36 min
